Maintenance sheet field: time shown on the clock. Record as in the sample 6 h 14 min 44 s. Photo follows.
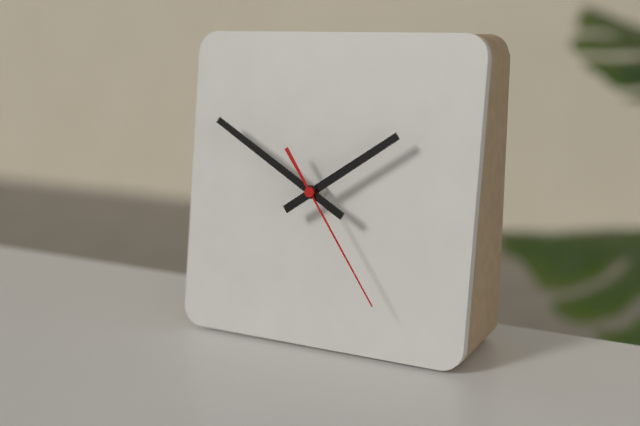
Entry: 1 h 50 min 24 s
